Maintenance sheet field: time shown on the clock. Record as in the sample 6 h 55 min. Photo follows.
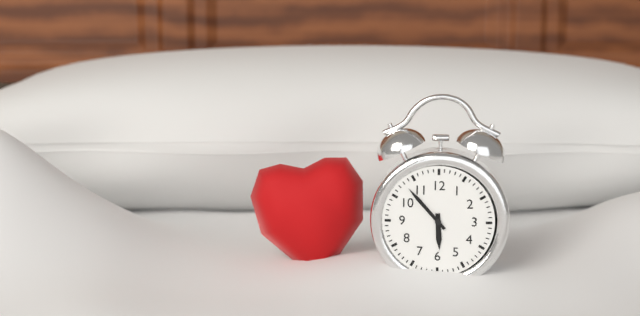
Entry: 5 h 53 min
